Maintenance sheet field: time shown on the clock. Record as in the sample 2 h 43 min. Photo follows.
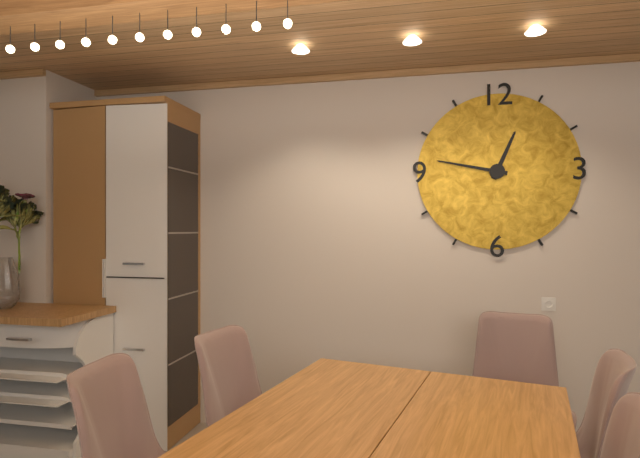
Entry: 12 h 47 min
